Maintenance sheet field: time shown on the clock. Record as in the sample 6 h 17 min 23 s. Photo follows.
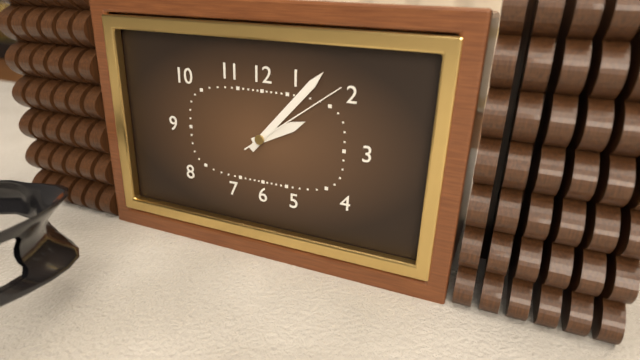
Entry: 2 h 07 min 09 s
